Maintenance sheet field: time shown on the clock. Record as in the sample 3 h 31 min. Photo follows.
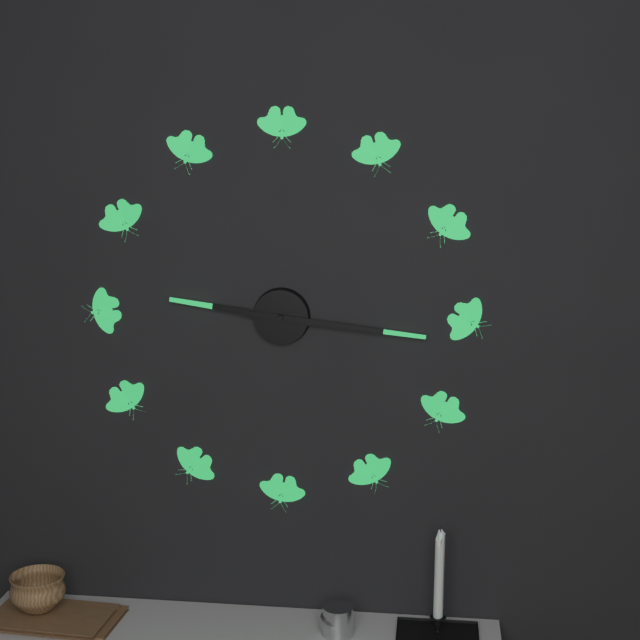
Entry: 9 h 16 min
